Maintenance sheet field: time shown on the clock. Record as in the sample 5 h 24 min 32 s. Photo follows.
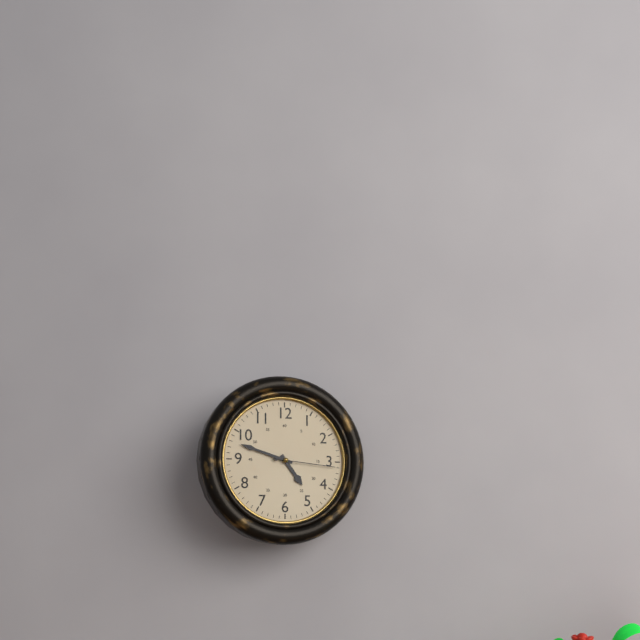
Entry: 4 h 48 min 16 s
